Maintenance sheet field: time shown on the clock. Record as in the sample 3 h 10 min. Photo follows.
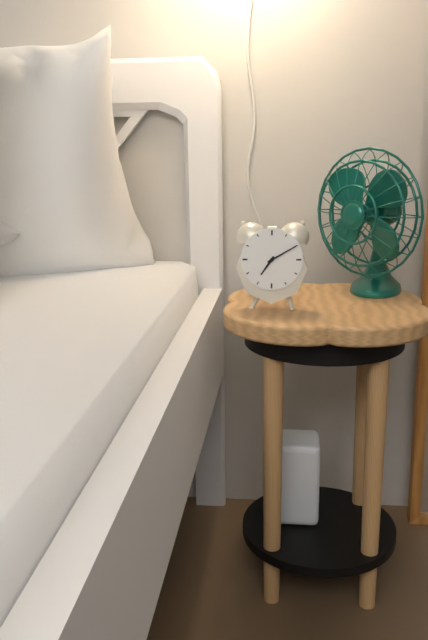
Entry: 7 h 10 min
